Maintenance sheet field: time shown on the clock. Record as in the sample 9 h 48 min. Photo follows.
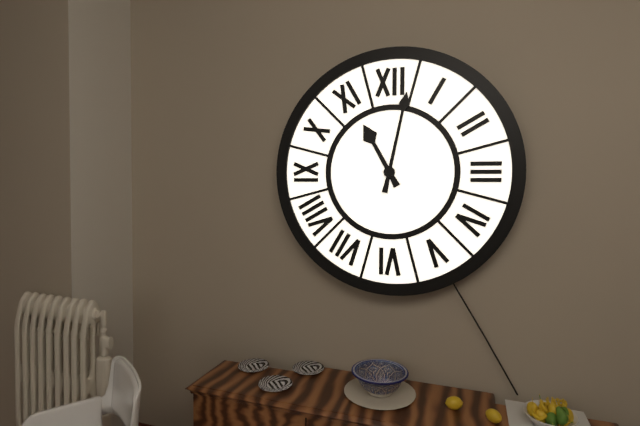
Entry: 11 h 02 min
